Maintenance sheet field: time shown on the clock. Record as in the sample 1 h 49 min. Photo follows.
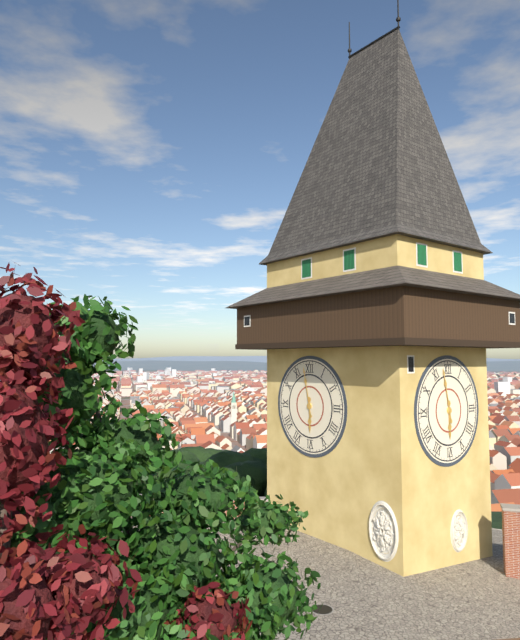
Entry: 5 h 58 min
